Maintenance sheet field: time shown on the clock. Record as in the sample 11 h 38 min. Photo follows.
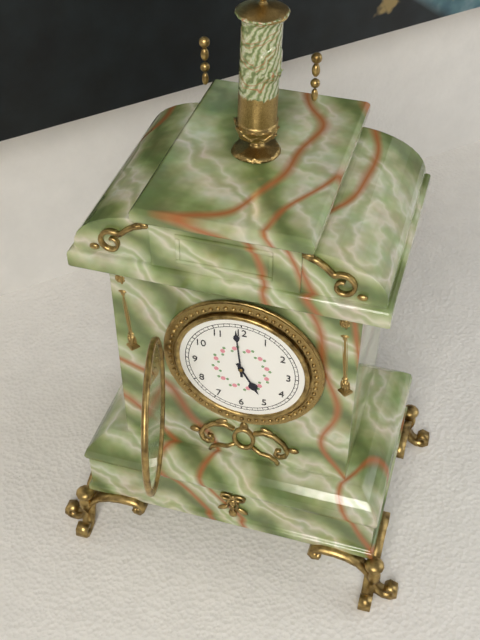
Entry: 4 h 59 min
